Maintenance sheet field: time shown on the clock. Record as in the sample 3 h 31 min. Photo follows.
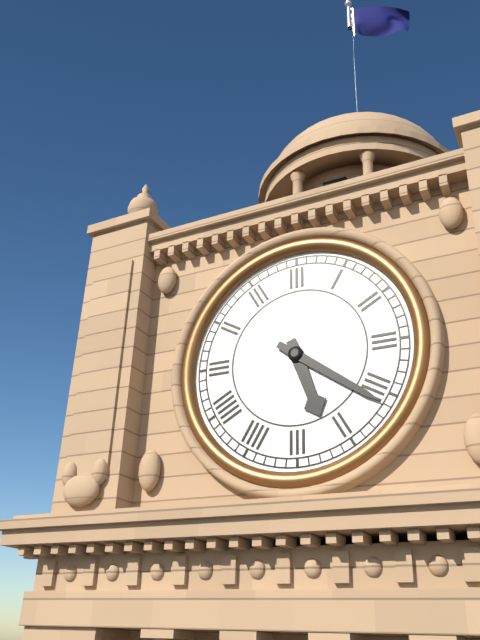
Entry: 5 h 21 min
